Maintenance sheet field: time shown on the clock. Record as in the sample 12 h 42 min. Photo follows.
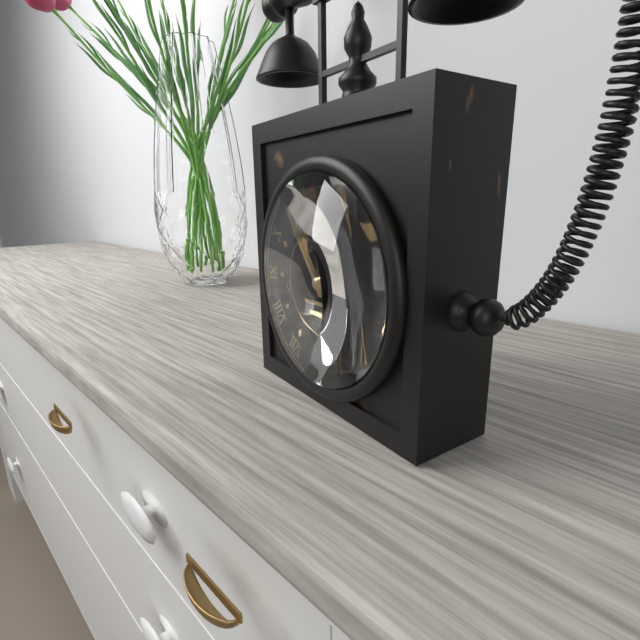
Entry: 10 h 54 min
